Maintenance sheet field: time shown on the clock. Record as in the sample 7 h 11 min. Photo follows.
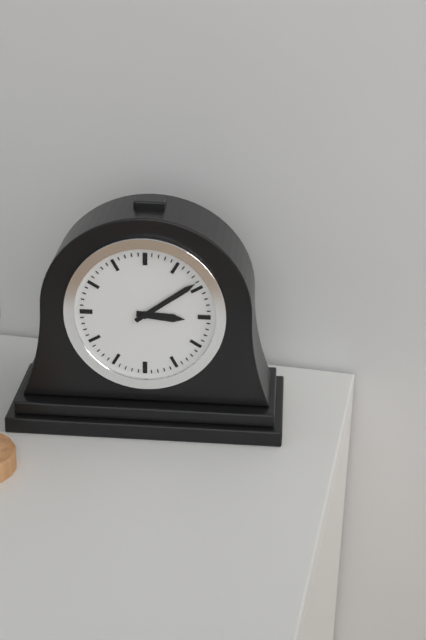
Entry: 3 h 09 min
